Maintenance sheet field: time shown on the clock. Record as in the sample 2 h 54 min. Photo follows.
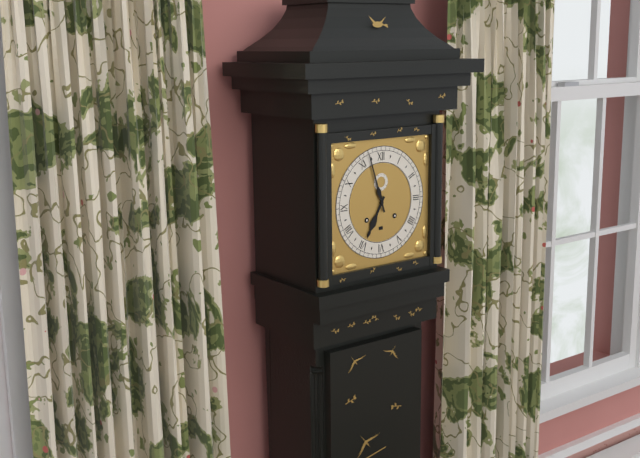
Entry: 6 h 57 min
